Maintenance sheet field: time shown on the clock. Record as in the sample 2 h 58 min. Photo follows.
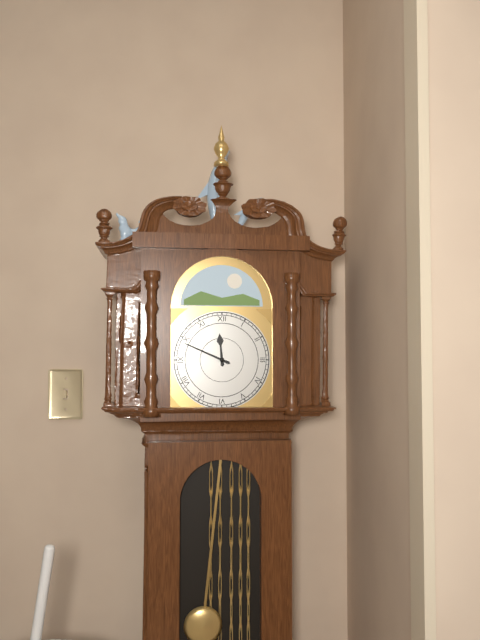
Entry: 11 h 49 min
